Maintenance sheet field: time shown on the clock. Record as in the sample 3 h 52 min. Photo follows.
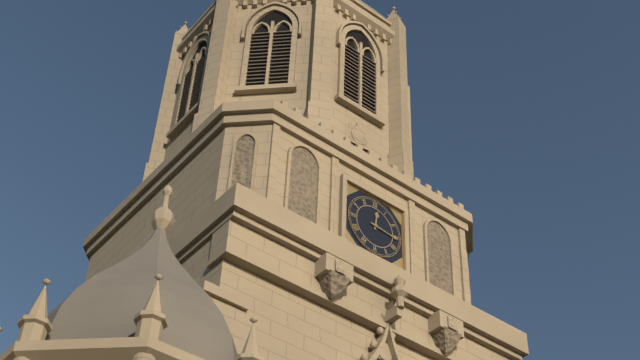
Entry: 12 h 16 min
